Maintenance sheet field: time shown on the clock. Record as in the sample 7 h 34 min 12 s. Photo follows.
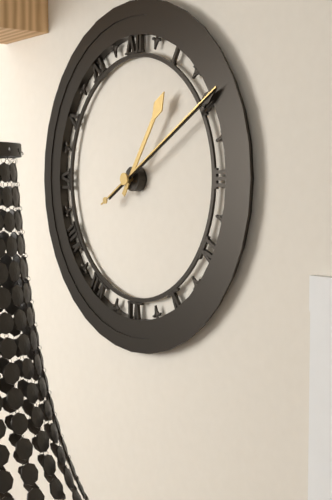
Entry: 1 h 10 min 10 s
